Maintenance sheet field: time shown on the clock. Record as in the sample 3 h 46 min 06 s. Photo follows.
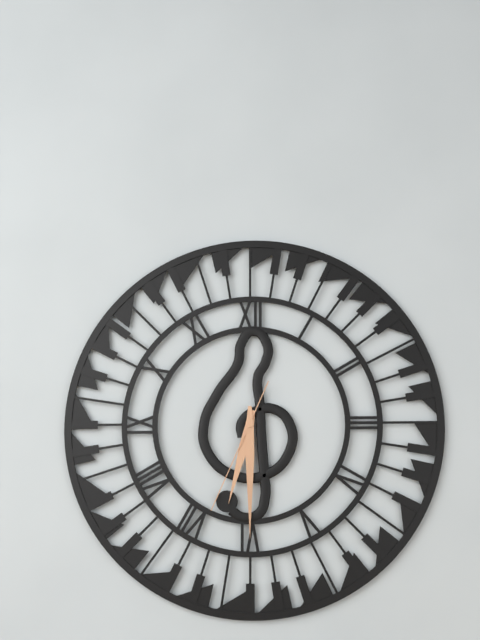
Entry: 6 h 30 min 34 s
